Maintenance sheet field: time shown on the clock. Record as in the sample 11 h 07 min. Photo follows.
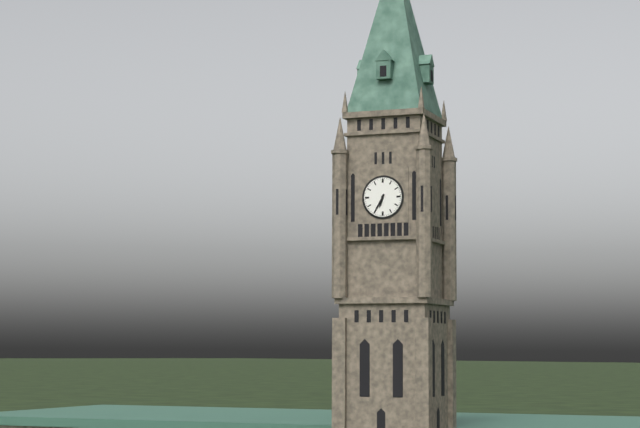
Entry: 6 h 35 min
